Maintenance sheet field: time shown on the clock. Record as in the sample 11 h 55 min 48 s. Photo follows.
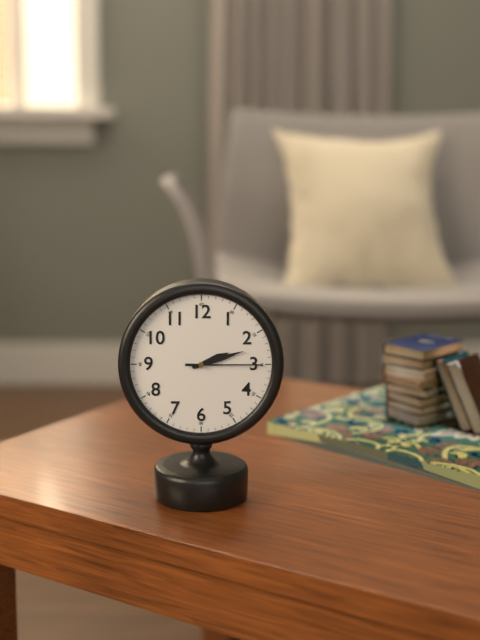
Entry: 2 h 12 min 15 s
